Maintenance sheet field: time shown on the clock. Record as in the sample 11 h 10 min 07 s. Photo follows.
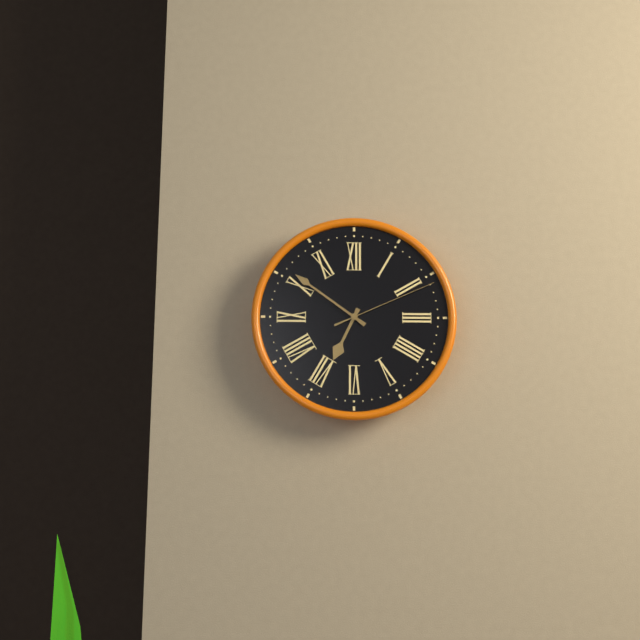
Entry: 6 h 51 min 11 s
